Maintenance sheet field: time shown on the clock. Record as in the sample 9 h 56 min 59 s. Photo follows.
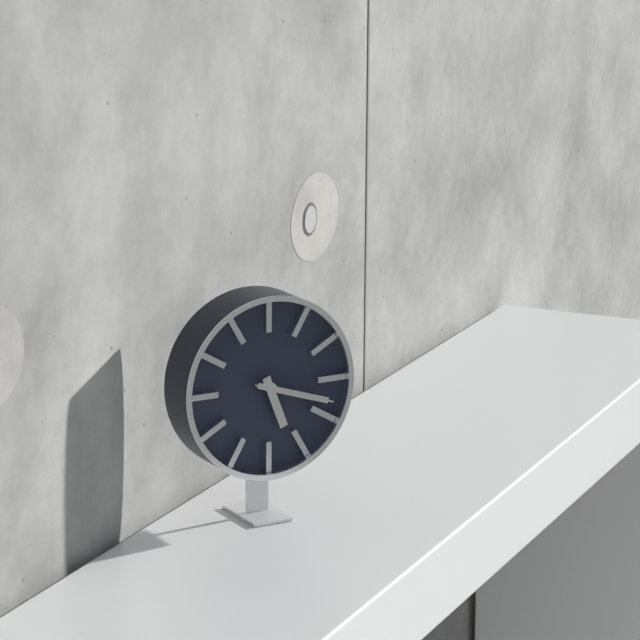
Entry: 5 h 18 min 18 s
